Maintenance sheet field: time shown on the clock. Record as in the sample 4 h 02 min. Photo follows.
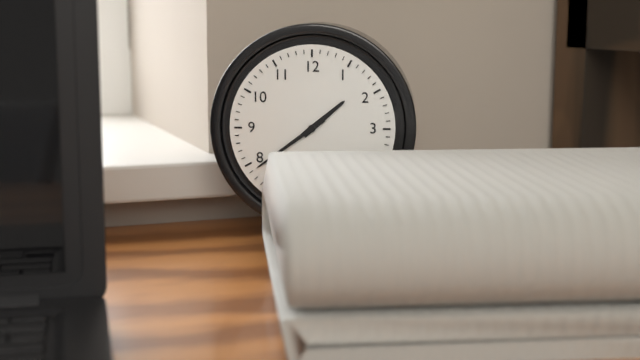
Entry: 1 h 39 min
